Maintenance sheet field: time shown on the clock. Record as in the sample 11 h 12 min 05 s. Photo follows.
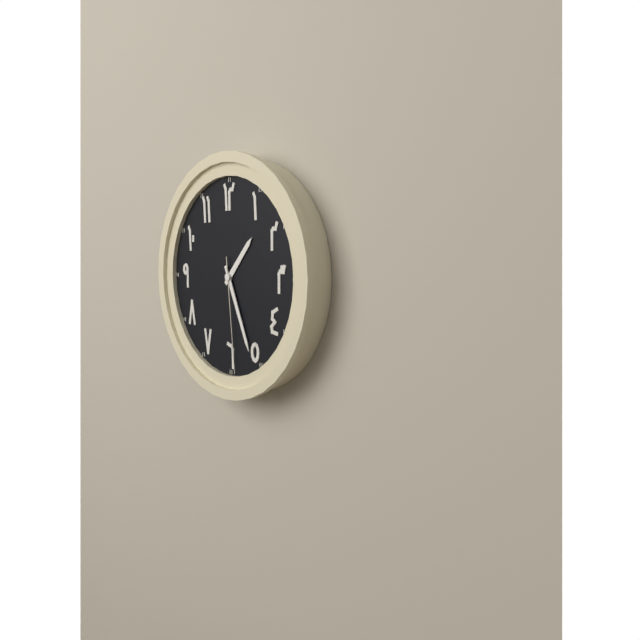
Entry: 1 h 26 min 29 s
